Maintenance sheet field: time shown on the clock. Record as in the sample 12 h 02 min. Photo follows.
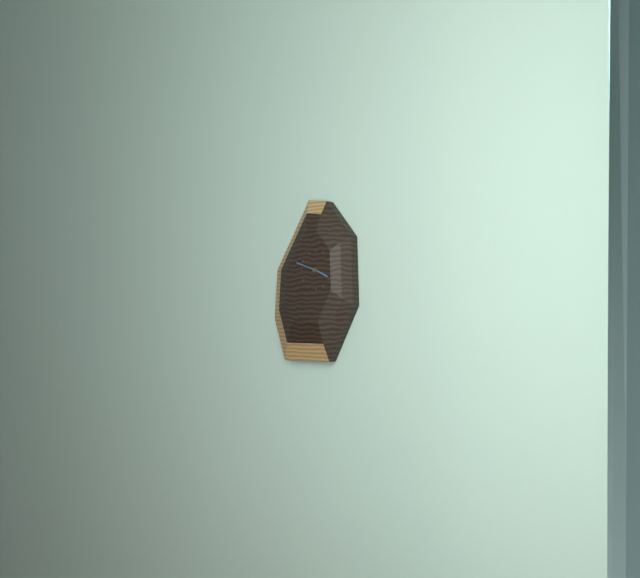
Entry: 3 h 48 min
